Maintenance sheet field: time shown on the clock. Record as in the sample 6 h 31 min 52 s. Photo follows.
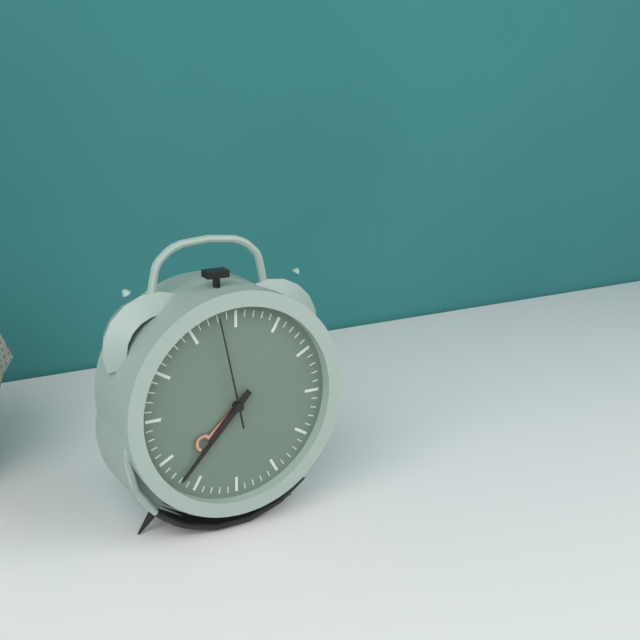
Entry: 7 h 37 min 58 s
